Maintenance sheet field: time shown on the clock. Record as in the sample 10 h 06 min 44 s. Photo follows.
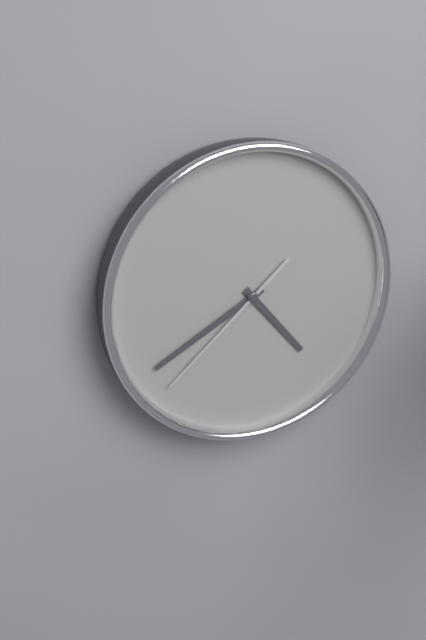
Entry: 4 h 40 min 38 s
